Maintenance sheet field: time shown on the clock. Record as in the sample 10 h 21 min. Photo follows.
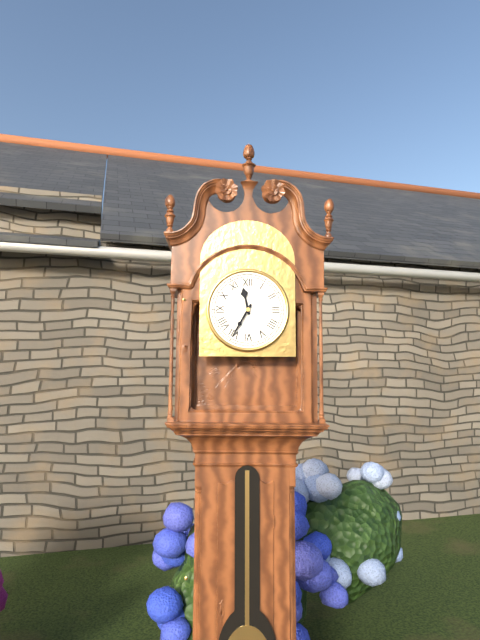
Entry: 11 h 35 min
